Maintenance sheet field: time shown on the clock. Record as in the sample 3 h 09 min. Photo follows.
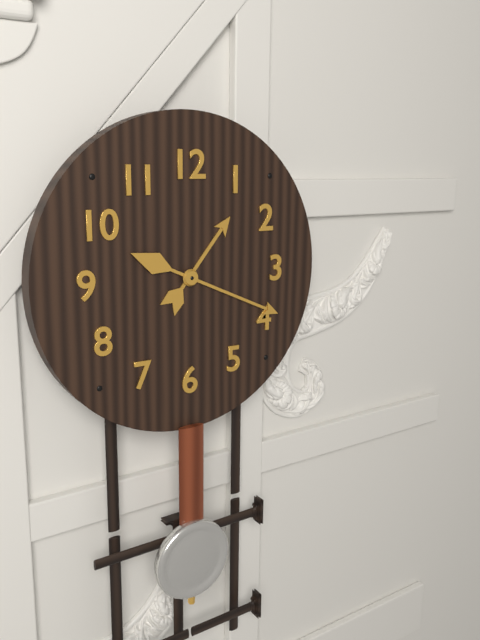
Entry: 1 h 19 min
